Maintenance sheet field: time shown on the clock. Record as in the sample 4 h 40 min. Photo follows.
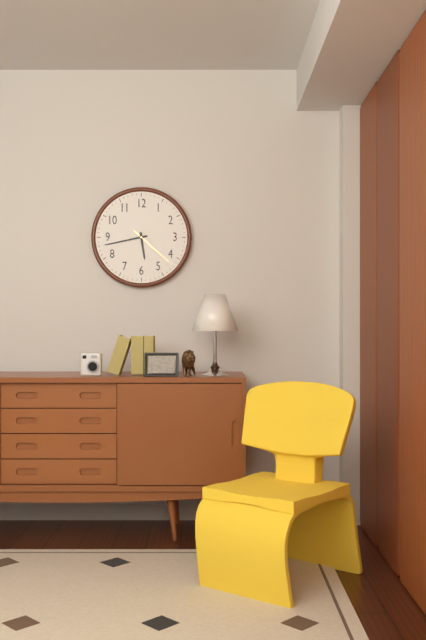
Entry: 5 h 43 min
